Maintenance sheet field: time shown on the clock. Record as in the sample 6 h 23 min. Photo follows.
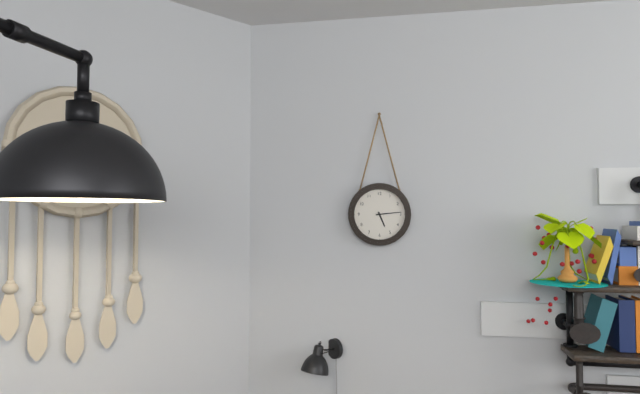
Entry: 5 h 14 min
